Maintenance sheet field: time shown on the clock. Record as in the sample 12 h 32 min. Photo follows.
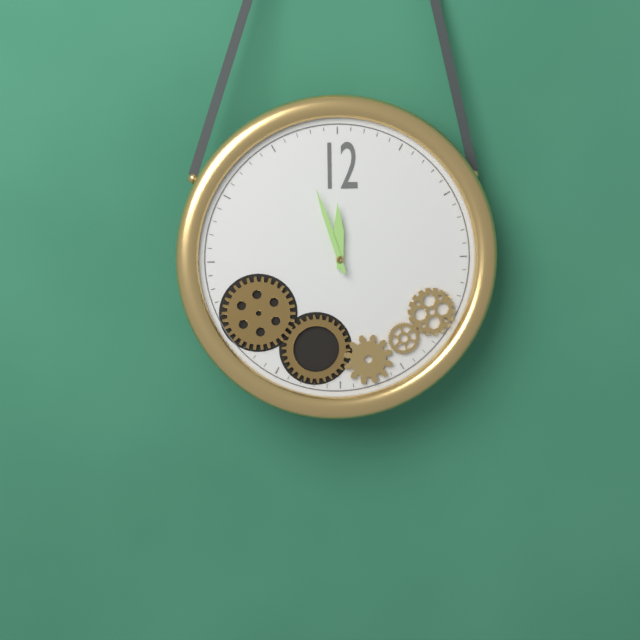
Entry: 11 h 57 min
